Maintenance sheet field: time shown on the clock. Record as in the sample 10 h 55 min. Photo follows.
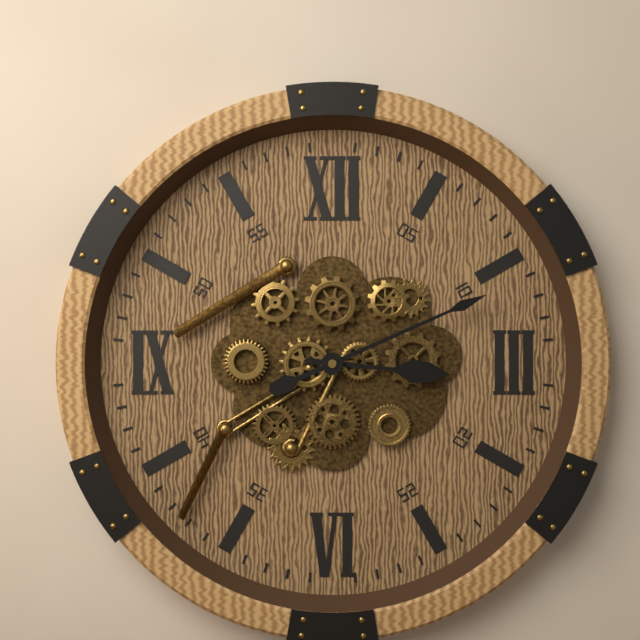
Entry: 3 h 11 min
